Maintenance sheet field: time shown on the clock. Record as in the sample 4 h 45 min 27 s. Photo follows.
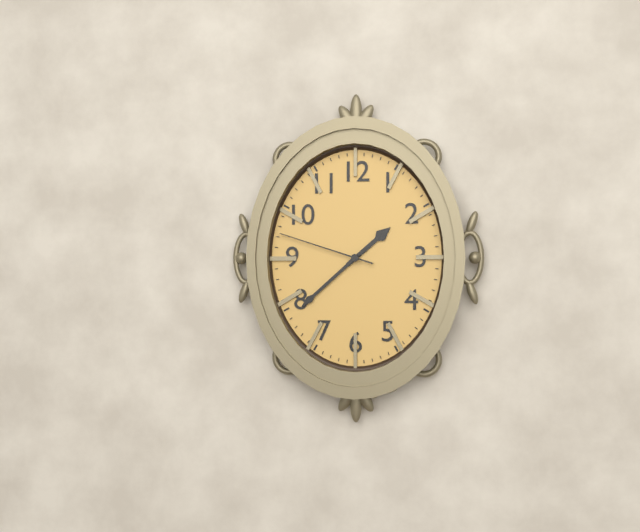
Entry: 1 h 38 min 48 s
